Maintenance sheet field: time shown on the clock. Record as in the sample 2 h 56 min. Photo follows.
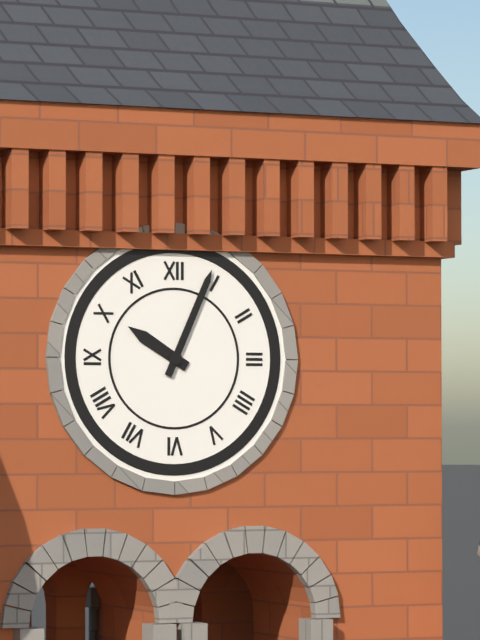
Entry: 10 h 04 min
